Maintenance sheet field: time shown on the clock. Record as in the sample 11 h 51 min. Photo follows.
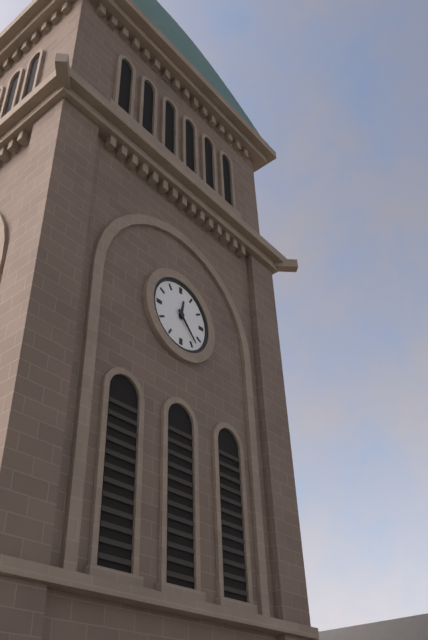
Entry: 12 h 23 min
